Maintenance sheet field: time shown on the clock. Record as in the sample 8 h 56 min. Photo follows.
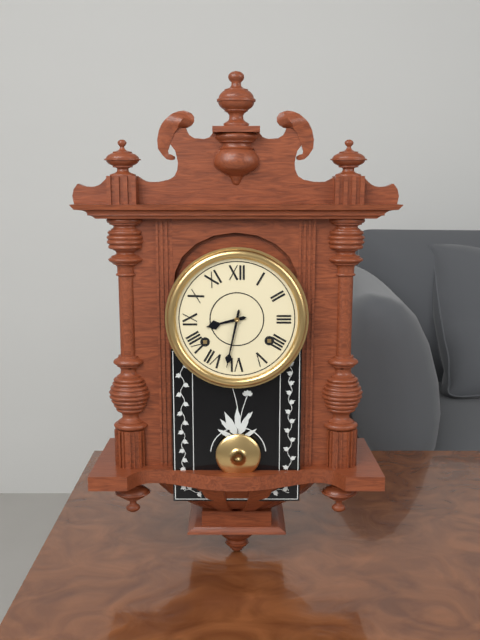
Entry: 8 h 32 min
